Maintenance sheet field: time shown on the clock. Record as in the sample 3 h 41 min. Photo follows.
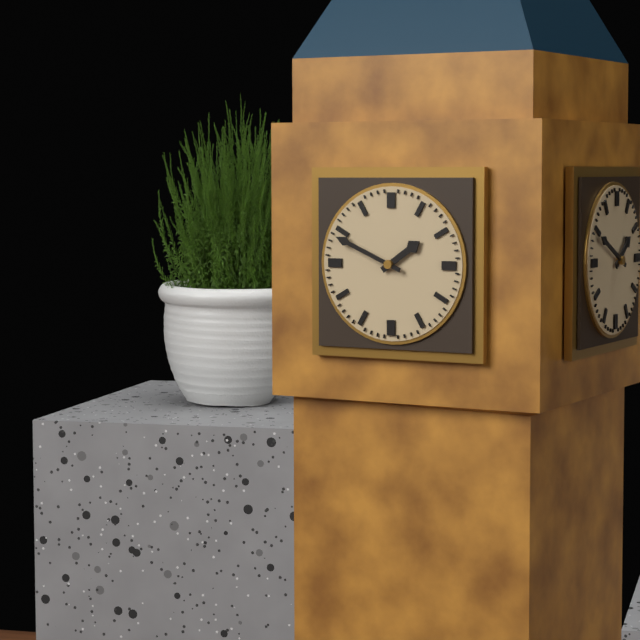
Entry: 1 h 49 min
